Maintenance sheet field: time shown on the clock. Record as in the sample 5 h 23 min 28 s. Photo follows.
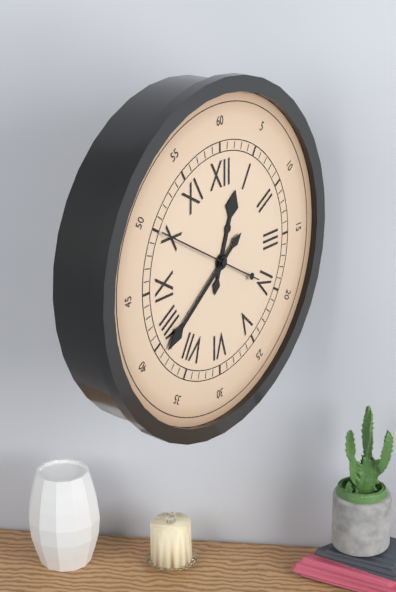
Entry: 12 h 39 min 50 s
